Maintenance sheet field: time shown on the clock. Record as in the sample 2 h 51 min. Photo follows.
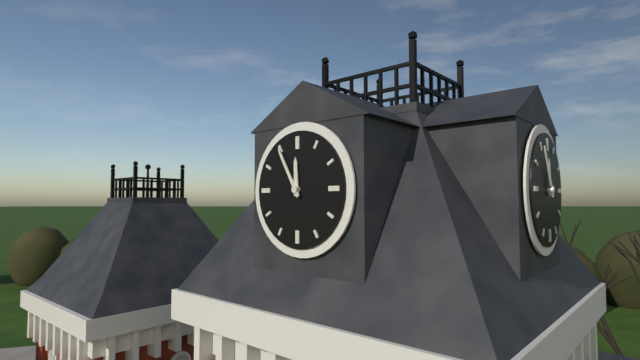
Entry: 11 h 55 min
